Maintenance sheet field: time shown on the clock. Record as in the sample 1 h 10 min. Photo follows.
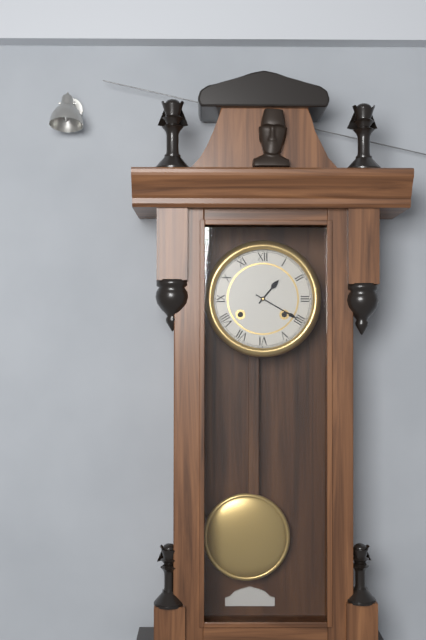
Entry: 1 h 20 min
